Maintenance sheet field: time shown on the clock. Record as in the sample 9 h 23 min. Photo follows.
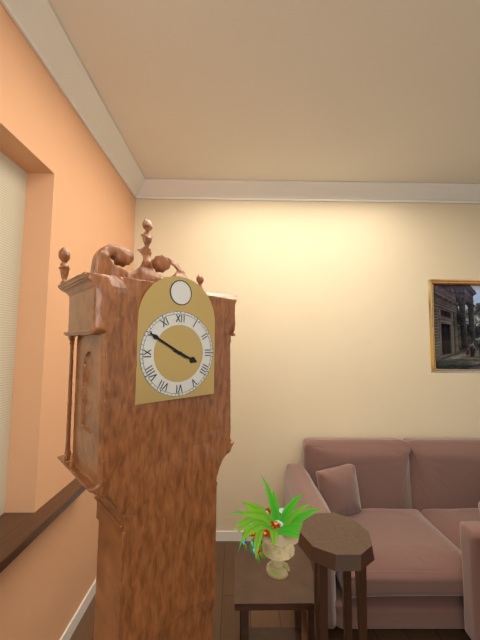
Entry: 3 h 50 min
